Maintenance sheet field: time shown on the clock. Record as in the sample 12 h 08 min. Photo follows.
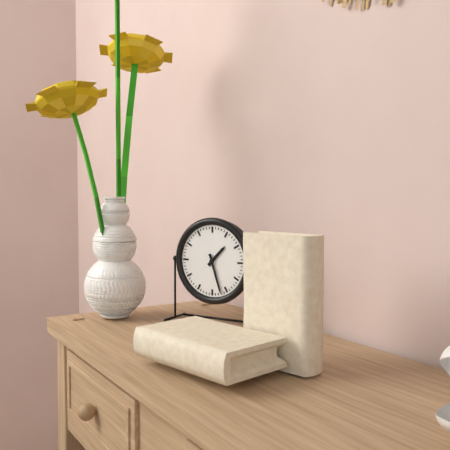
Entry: 1 h 27 min
